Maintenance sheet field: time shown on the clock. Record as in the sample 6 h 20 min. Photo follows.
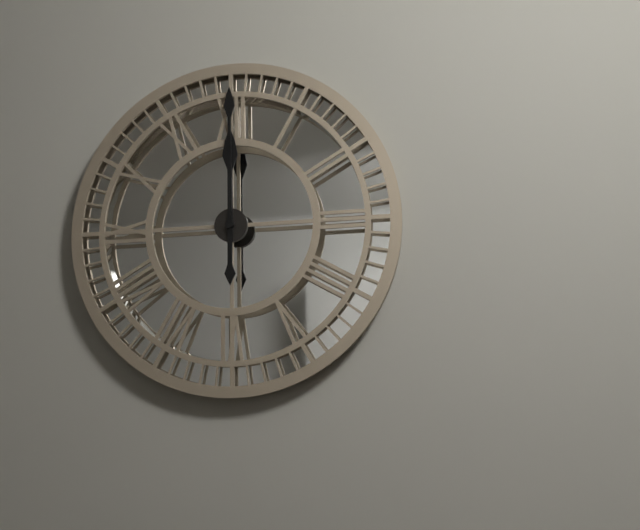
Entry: 12 h 00 min
